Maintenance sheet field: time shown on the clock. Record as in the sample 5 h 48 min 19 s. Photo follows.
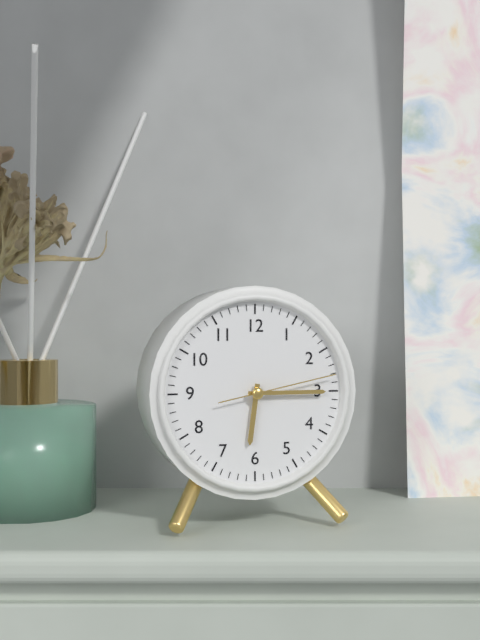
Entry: 6 h 15 min 13 s
